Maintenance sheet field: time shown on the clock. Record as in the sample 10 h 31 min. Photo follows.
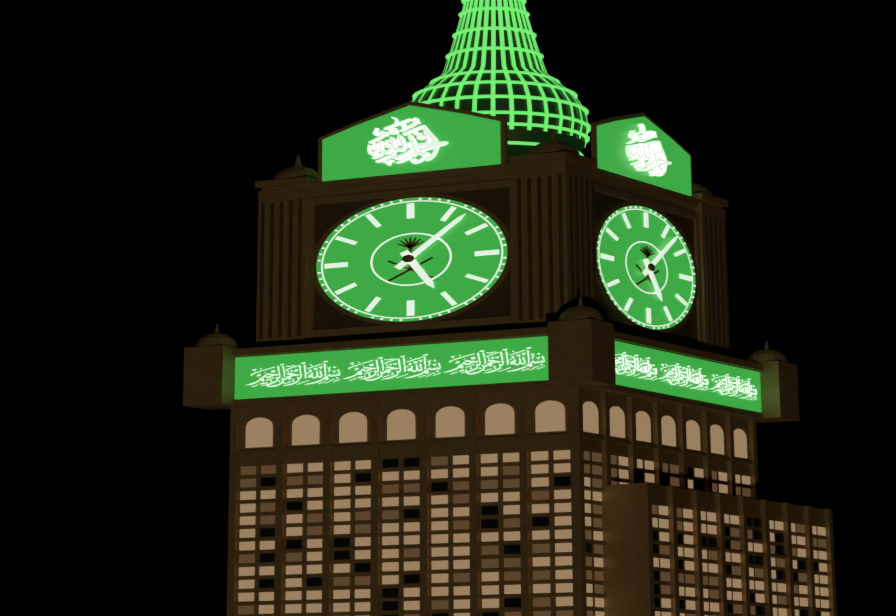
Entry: 5 h 07 min
